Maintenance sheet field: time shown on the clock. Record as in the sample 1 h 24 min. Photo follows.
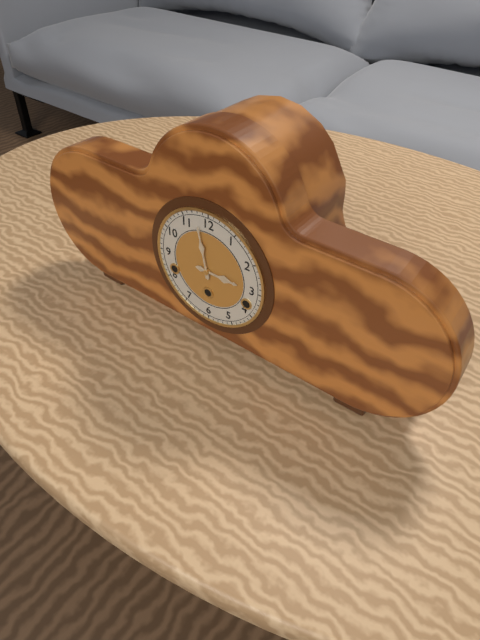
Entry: 2 h 58 min
